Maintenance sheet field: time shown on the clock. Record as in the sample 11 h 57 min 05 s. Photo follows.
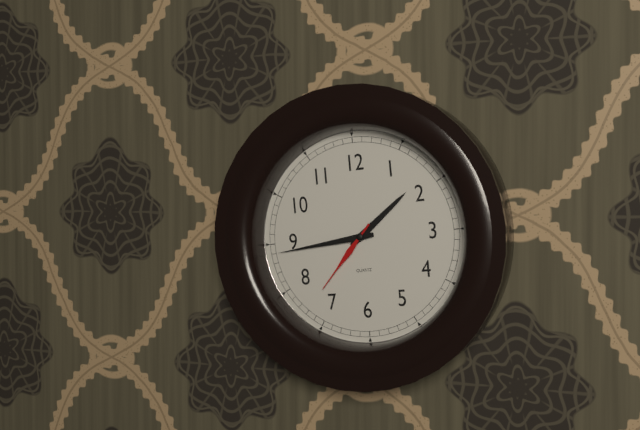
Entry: 1 h 44 min 37 s
